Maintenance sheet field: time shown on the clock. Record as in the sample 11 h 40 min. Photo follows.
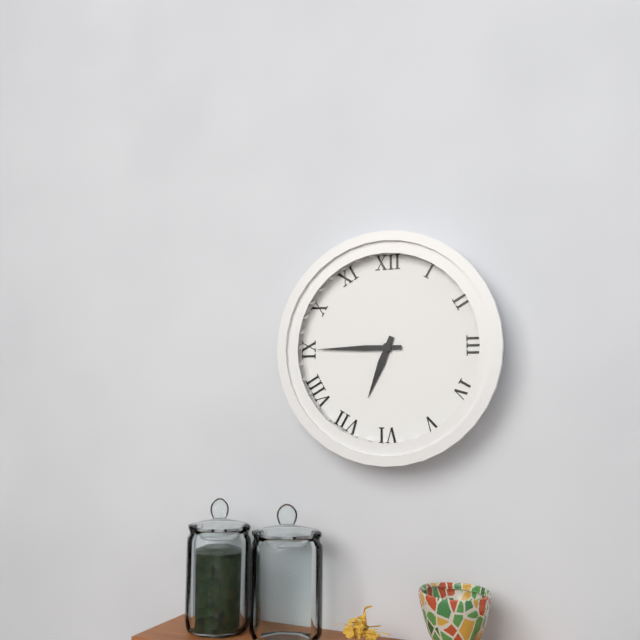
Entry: 6 h 45 min
